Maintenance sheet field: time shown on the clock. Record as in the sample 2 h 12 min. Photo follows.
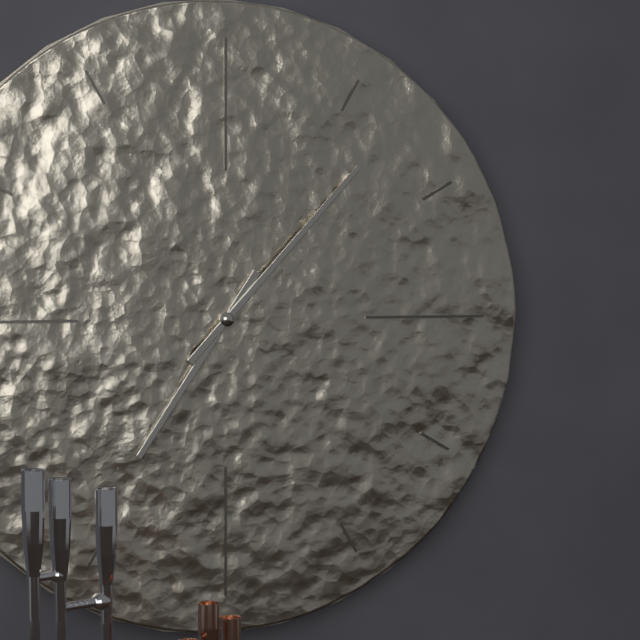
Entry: 7 h 07 min
